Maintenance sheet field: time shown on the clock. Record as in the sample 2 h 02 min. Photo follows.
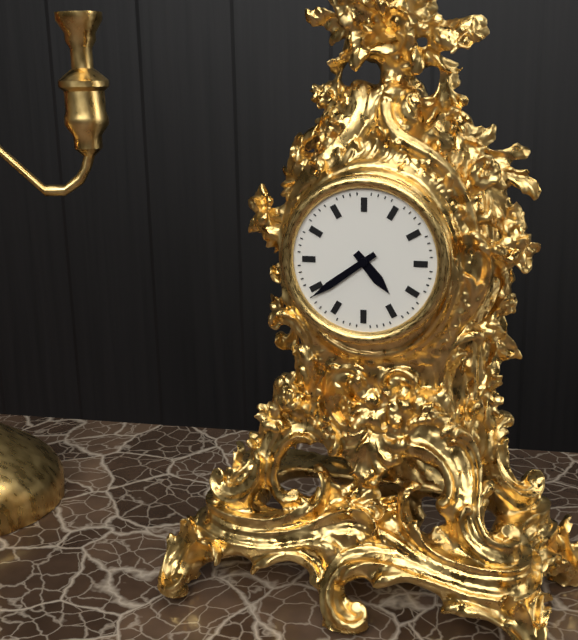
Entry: 4 h 39 min
